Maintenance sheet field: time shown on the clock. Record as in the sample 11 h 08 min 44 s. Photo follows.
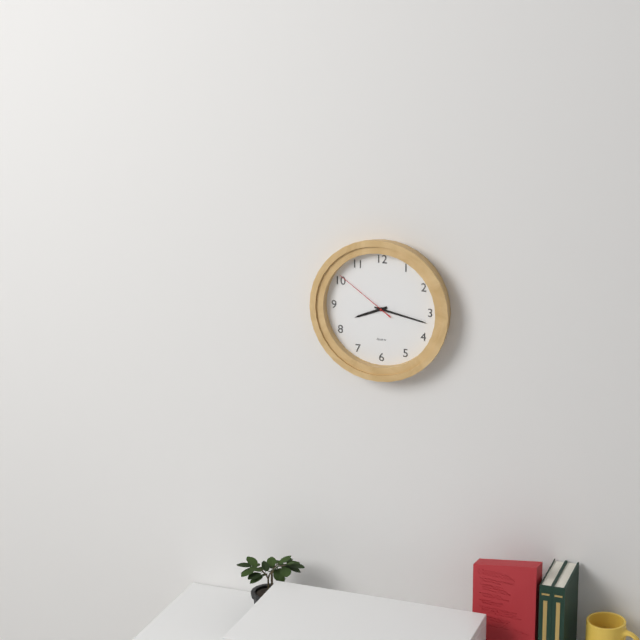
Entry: 8 h 17 min 51 s
